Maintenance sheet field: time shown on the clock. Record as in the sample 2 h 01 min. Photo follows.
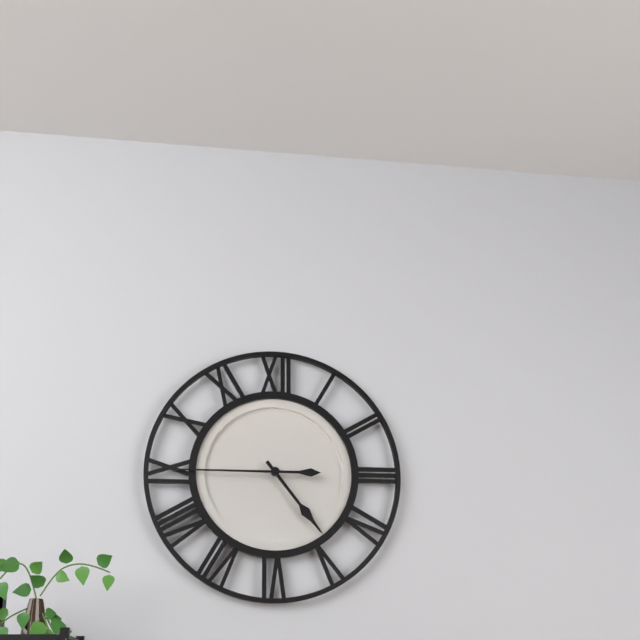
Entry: 4 h 45 min
